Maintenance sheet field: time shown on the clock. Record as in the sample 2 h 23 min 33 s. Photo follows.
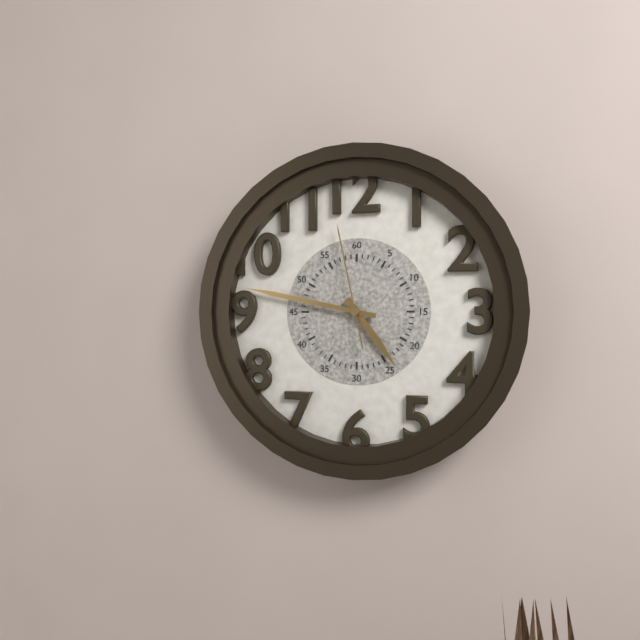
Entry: 4 h 47 min 58 s
